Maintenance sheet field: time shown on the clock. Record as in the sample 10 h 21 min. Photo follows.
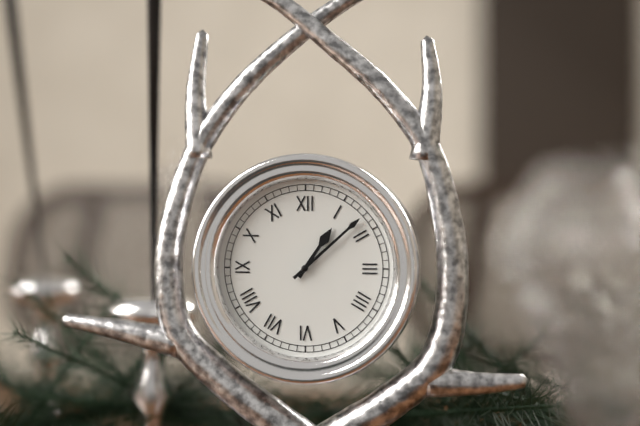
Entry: 1 h 08 min
